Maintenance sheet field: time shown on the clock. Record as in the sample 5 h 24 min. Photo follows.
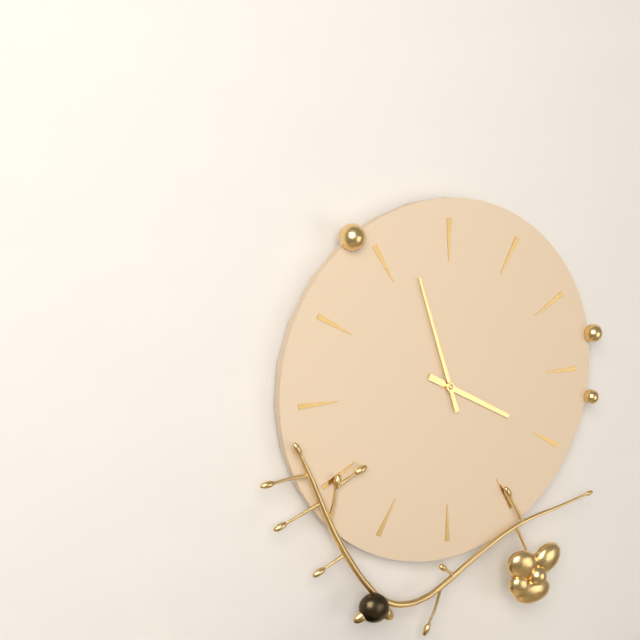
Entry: 3 h 57 min
